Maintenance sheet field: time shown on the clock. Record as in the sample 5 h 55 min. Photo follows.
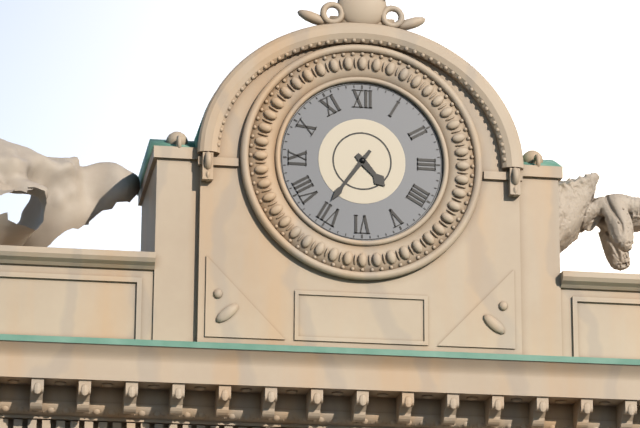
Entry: 4 h 36 min
